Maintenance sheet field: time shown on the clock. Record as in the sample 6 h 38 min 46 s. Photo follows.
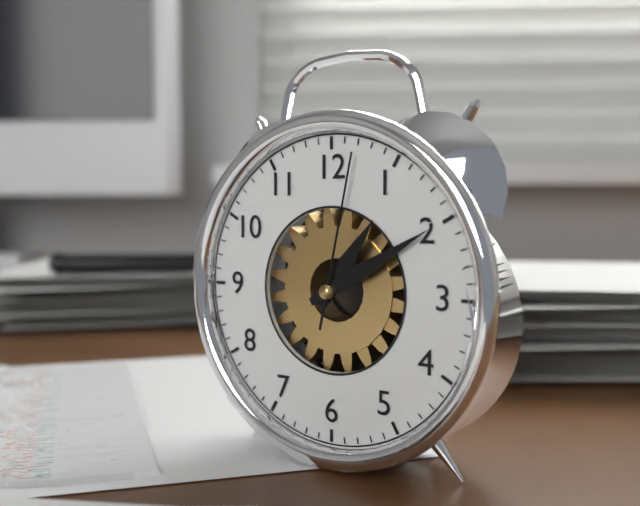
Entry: 1 h 10 min 02 s
